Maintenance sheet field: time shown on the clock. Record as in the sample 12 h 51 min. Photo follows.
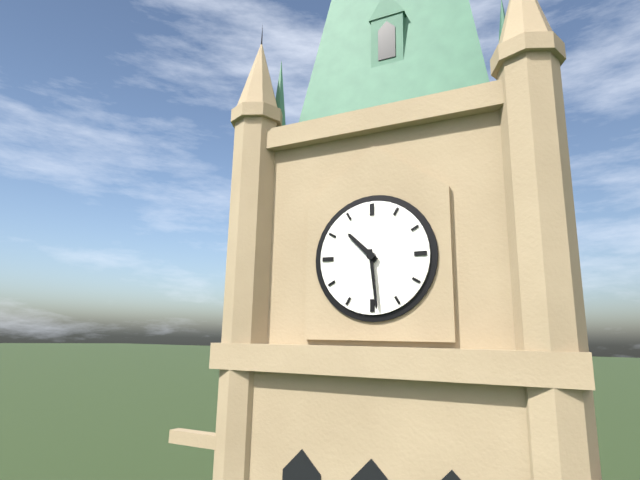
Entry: 10 h 29 min
